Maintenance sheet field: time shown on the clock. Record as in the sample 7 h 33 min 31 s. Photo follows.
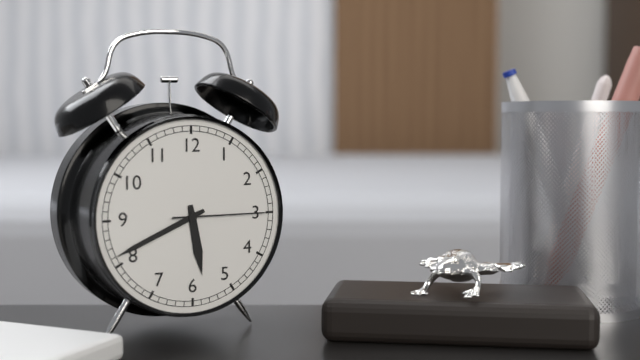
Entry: 5 h 41 min 15 s
